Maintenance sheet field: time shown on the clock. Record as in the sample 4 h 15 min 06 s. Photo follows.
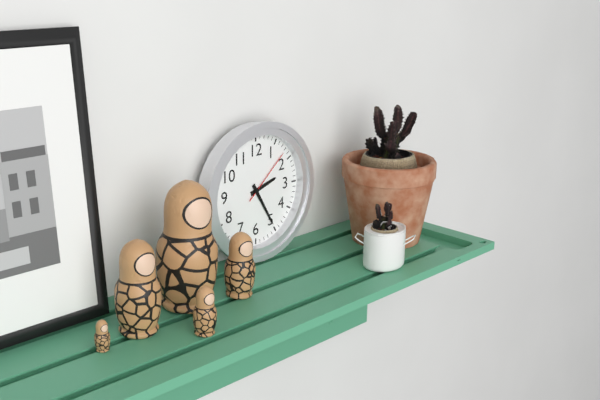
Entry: 2 h 25 min 08 s
